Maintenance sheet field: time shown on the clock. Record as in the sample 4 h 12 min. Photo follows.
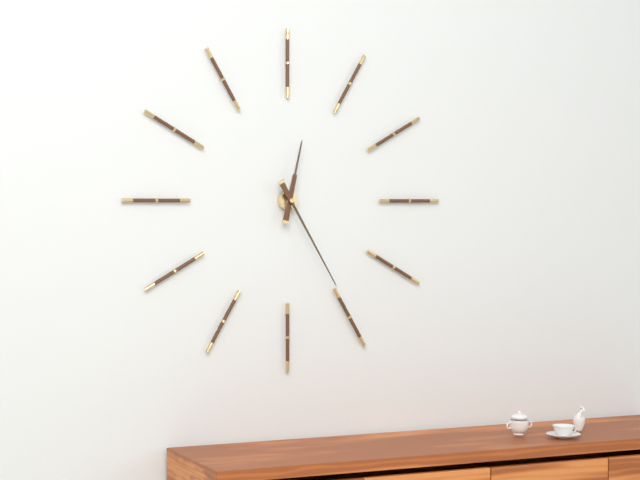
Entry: 12 h 25 min
